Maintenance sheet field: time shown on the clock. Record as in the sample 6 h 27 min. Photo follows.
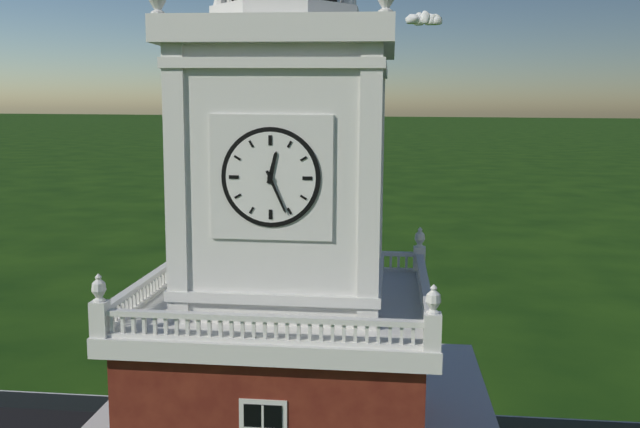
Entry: 12 h 26 min
